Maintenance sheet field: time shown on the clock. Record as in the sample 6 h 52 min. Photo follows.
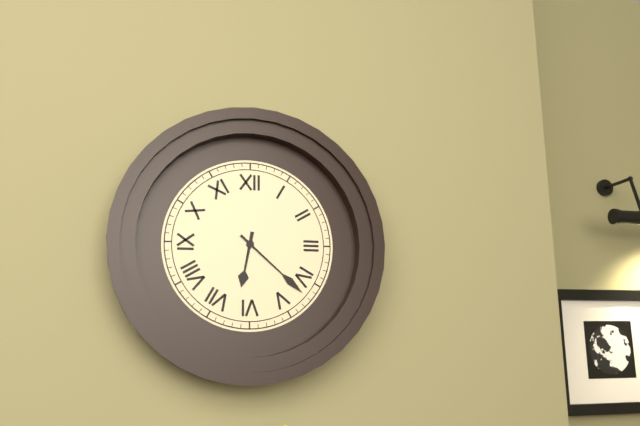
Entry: 6 h 22 min
